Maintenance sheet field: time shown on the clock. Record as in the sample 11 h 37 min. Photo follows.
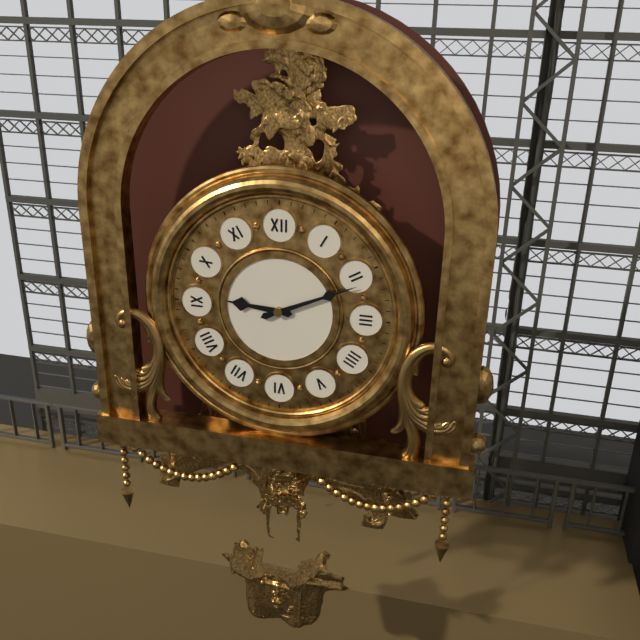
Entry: 9 h 11 min
